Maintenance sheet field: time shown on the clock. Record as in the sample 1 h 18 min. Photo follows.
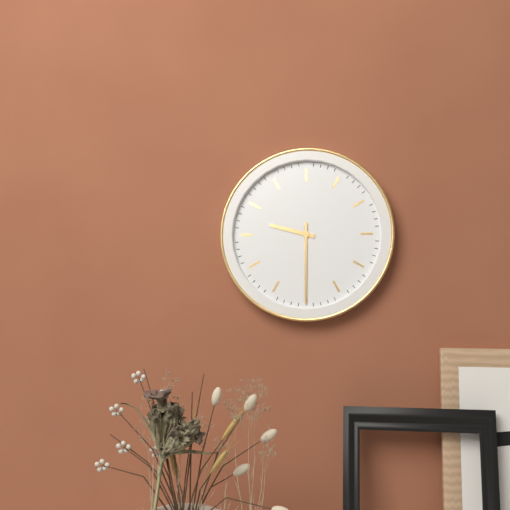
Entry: 9 h 30 min
